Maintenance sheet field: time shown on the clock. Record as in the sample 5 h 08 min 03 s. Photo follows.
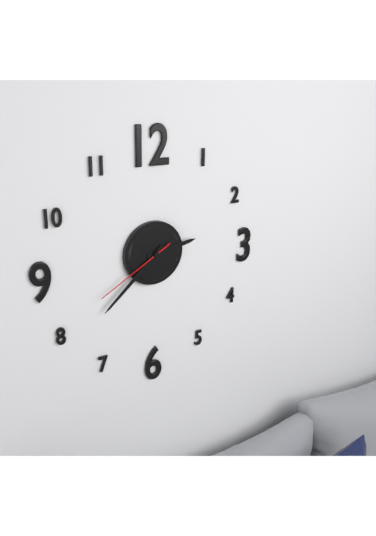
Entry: 2 h 38 min 40 s
